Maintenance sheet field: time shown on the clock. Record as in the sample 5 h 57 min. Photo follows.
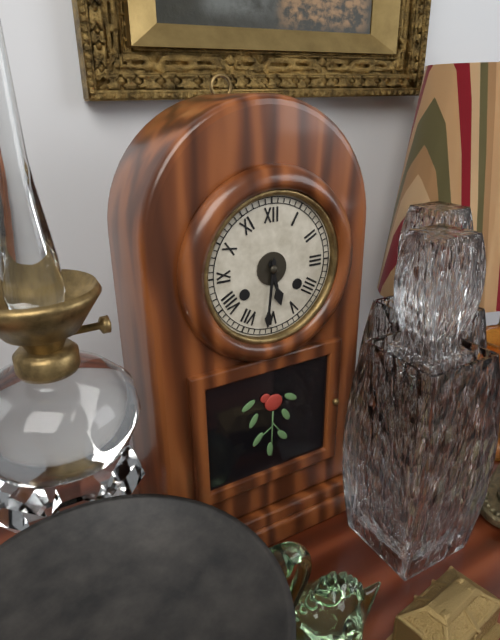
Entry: 5 h 31 min
